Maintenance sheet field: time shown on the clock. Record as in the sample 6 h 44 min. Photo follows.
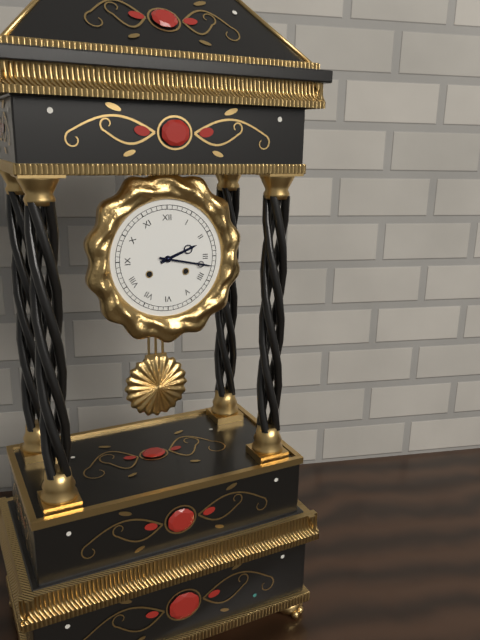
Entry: 2 h 17 min
